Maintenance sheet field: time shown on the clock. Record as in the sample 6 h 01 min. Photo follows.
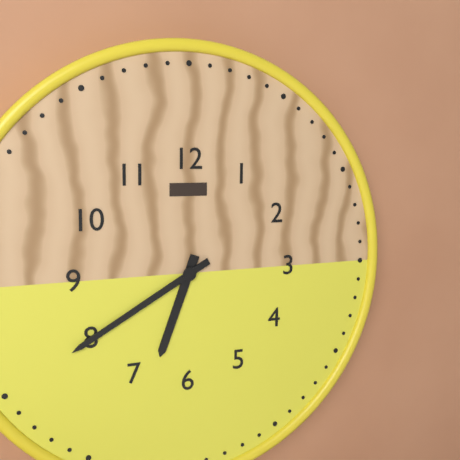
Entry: 6 h 40 min
